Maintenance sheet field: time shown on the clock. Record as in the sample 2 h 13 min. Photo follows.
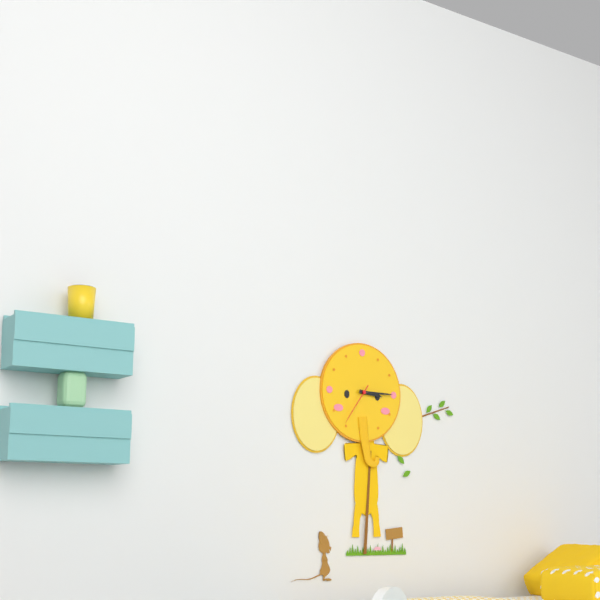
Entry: 3 h 15 min
